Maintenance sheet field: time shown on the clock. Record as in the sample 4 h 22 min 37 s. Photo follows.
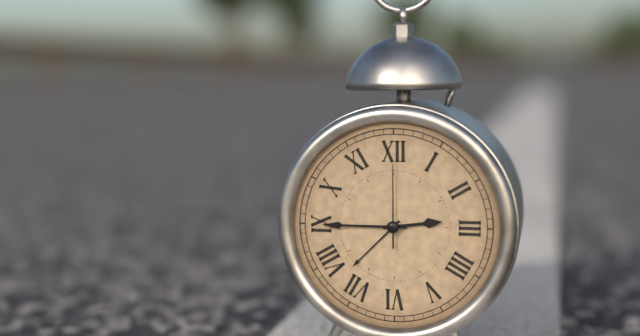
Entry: 2 h 45 min 00 s
